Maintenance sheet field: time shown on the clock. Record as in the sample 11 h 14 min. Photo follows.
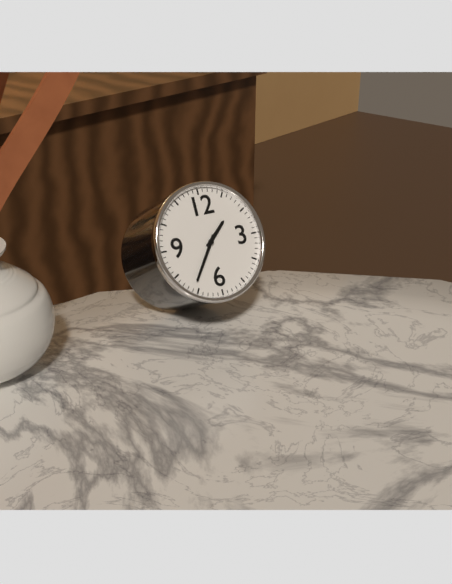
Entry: 1 h 36 min
